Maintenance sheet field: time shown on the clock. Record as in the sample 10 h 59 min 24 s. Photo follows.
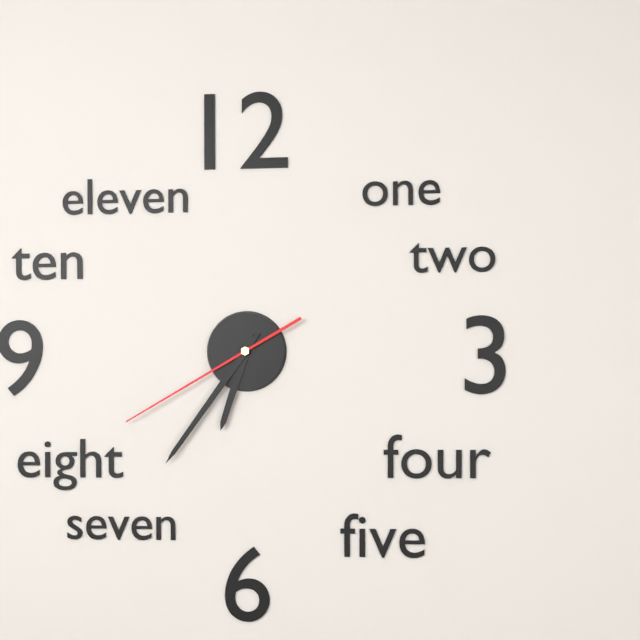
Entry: 6 h 36 min 40 s
